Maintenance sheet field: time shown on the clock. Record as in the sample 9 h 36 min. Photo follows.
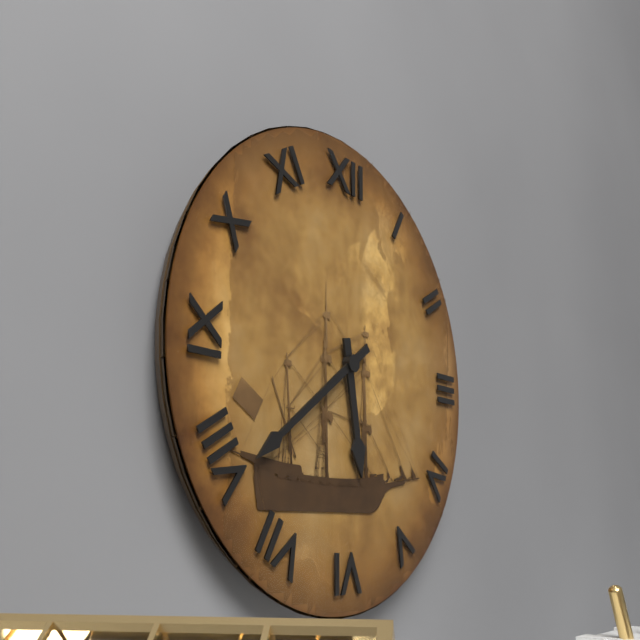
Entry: 5 h 39 min
